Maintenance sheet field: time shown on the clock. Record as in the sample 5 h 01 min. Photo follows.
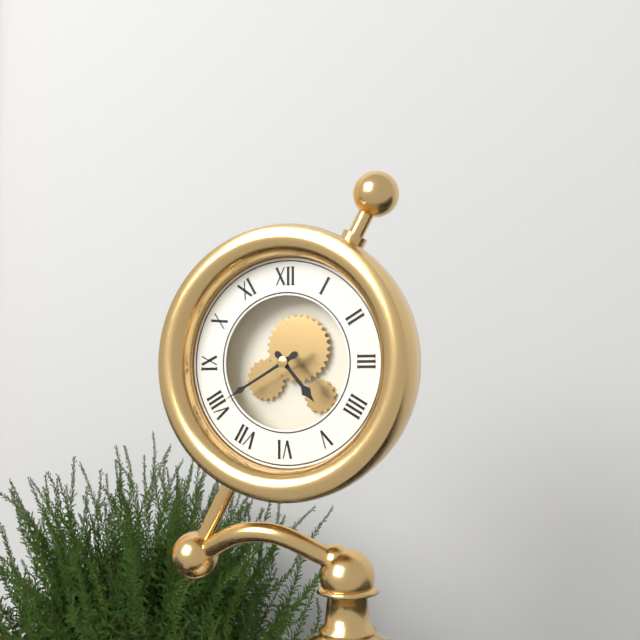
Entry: 4 h 40 min
